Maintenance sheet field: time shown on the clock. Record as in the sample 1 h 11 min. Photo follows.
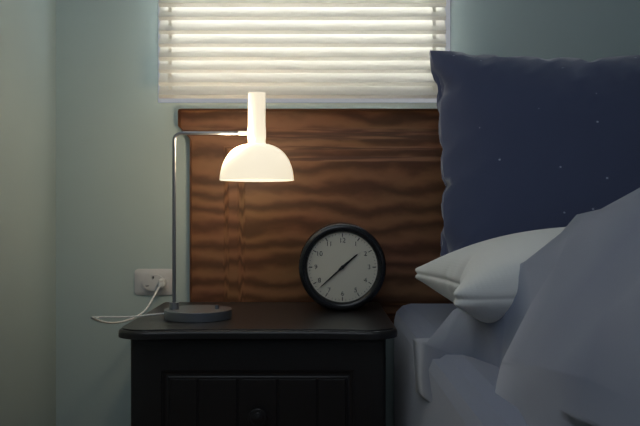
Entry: 1 h 38 min
